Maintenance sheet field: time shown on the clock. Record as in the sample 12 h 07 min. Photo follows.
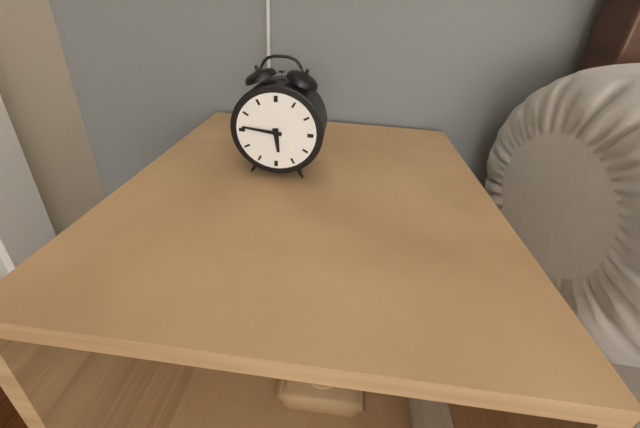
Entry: 5 h 46 min
